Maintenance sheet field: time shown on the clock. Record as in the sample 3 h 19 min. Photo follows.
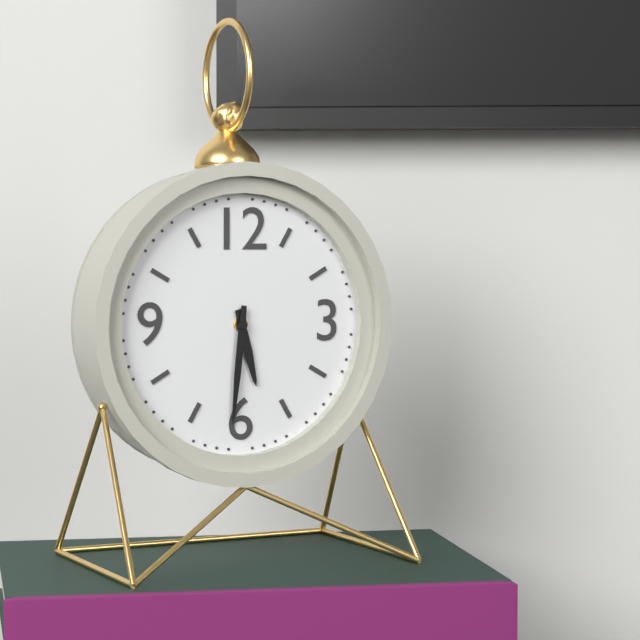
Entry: 5 h 31 min
